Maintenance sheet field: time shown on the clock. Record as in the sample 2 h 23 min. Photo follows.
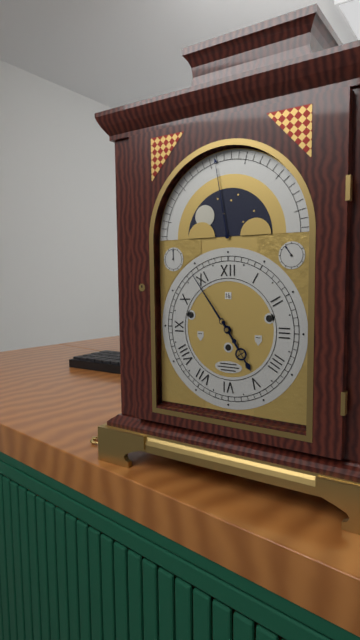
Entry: 4 h 54 min
